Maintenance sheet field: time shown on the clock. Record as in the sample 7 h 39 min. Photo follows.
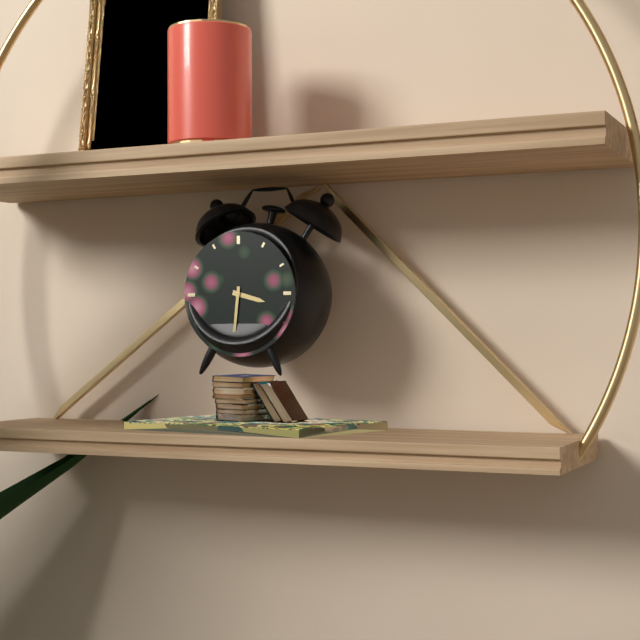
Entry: 3 h 31 min
